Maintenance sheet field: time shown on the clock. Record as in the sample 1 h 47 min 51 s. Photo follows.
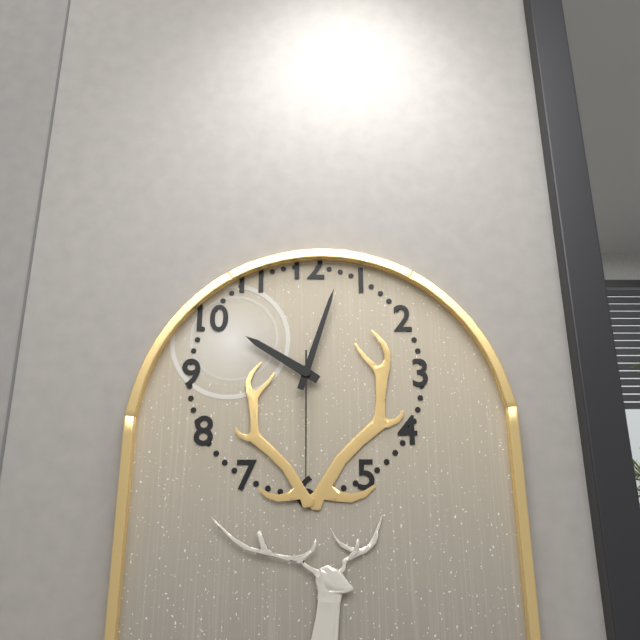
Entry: 10 h 03 min 30 s
